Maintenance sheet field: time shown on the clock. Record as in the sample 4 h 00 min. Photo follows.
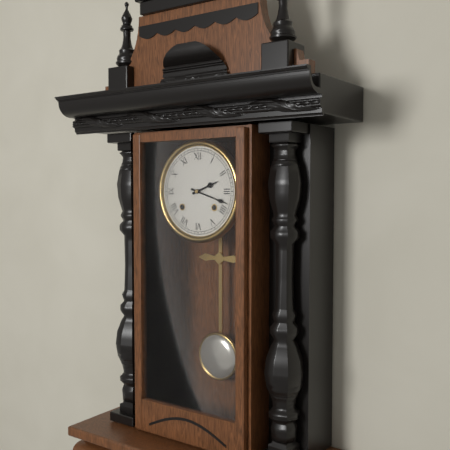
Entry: 2 h 18 min
